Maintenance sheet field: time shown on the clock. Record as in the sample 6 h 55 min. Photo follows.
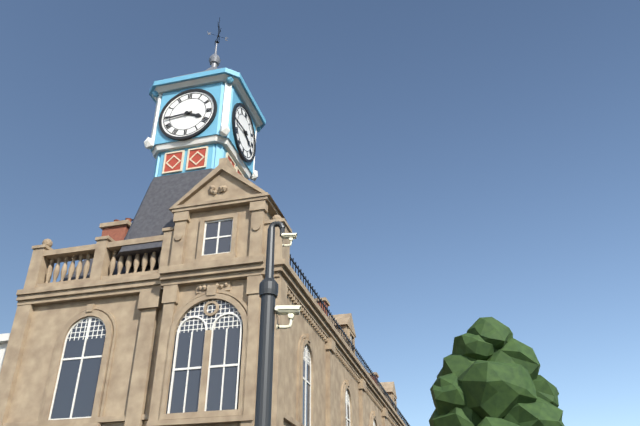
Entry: 3 h 44 min
